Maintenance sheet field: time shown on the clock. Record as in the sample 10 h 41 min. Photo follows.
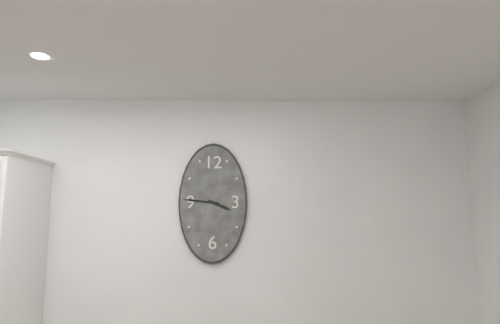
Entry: 3 h 46 min
